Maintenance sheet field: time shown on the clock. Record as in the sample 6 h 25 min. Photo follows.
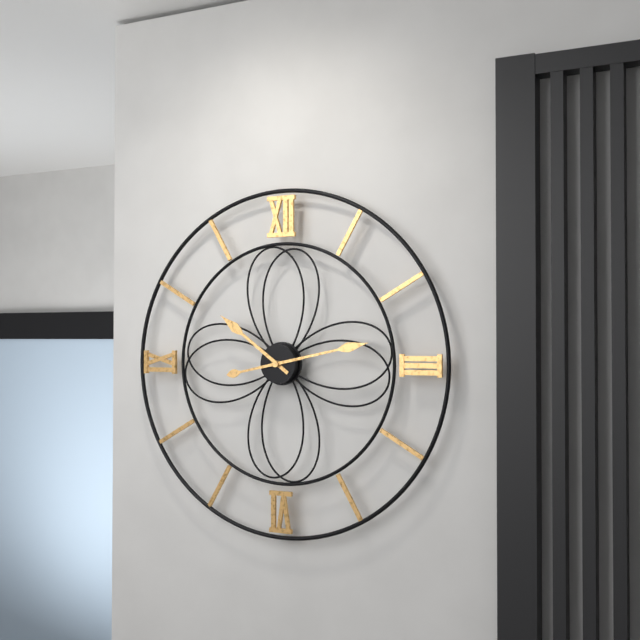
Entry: 10 h 13 min
